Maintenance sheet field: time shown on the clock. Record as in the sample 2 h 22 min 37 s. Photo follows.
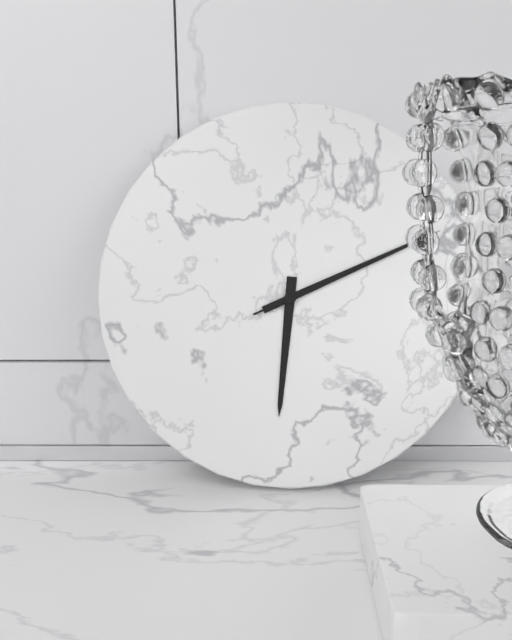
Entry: 6 h 11 min 11 s
